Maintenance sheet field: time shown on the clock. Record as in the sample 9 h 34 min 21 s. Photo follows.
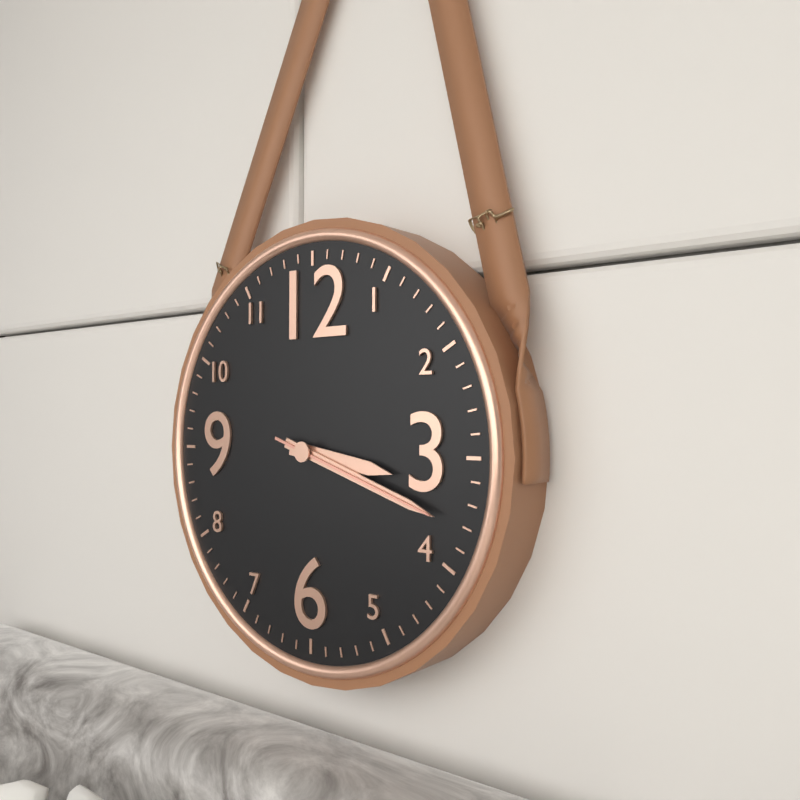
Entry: 3 h 18 min 18 s
